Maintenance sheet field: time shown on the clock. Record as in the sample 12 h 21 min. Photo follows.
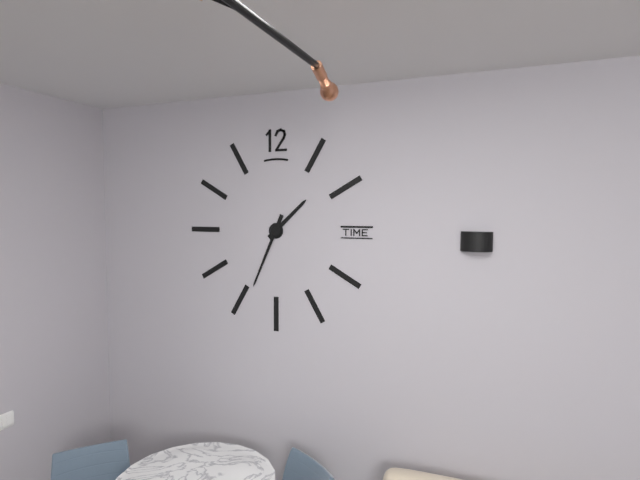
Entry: 1 h 34 min
